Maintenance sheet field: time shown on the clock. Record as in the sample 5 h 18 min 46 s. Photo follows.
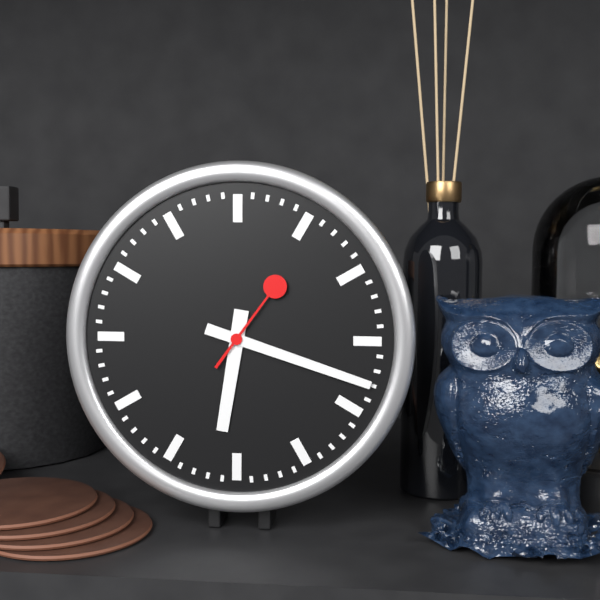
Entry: 6 h 18 min 06 s
